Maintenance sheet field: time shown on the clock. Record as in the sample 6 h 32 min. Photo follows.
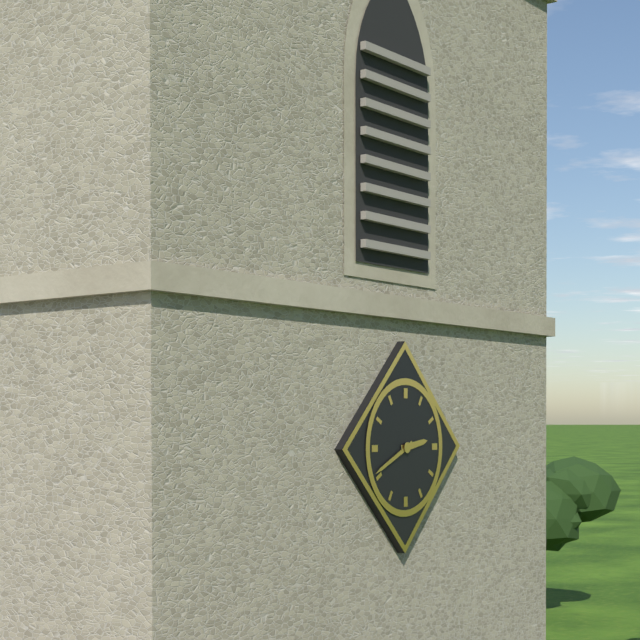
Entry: 2 h 41 min
